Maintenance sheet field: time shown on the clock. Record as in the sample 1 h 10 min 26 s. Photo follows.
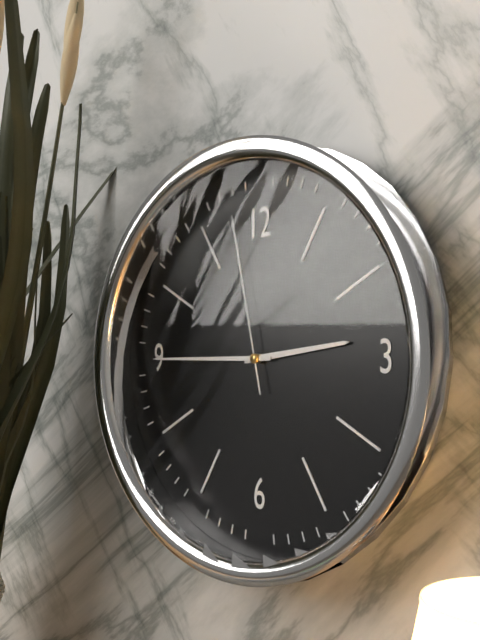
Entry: 2 h 45 min 58 s
